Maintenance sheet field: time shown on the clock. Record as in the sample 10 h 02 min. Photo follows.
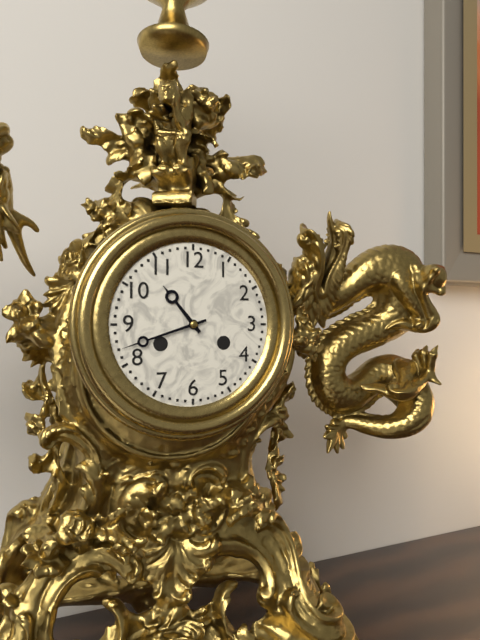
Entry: 10 h 42 min
